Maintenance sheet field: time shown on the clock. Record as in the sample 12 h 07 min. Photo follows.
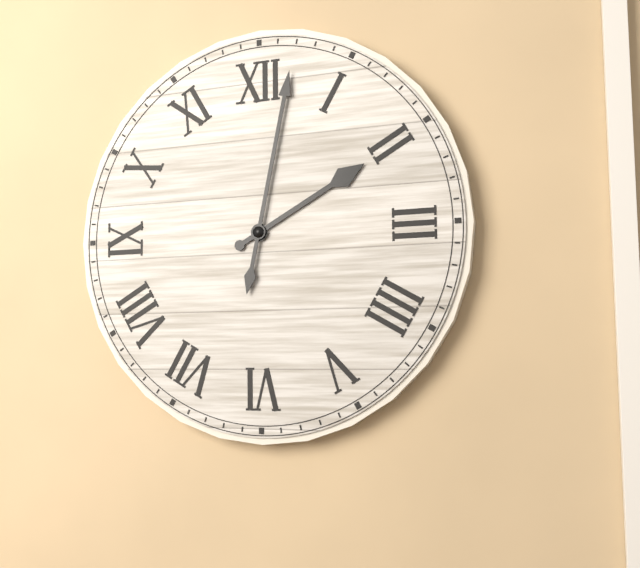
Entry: 2 h 02 min
